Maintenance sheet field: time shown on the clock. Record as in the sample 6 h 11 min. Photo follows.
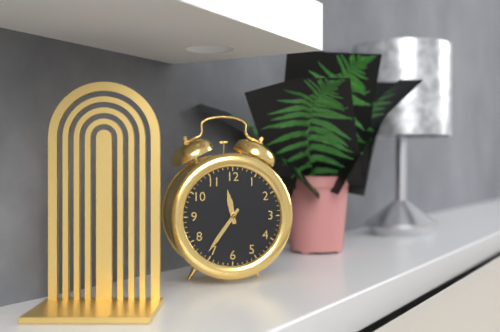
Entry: 11 h 36 min
